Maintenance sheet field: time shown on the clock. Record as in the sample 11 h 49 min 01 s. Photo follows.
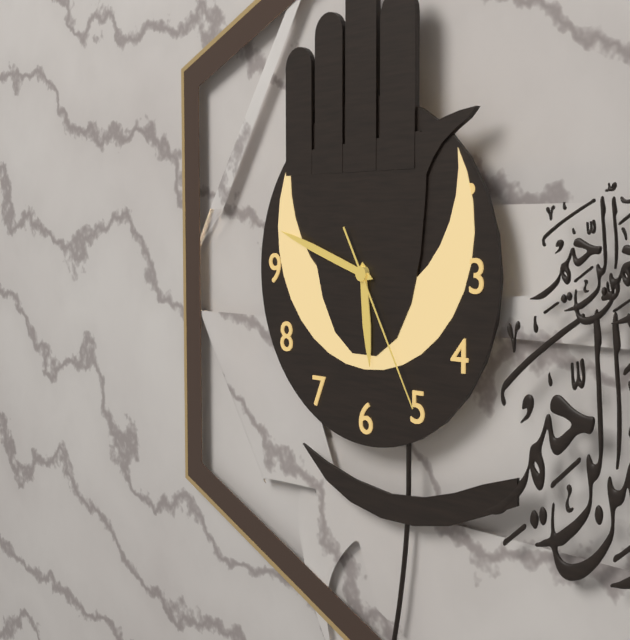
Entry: 5 h 48 min 25 s
